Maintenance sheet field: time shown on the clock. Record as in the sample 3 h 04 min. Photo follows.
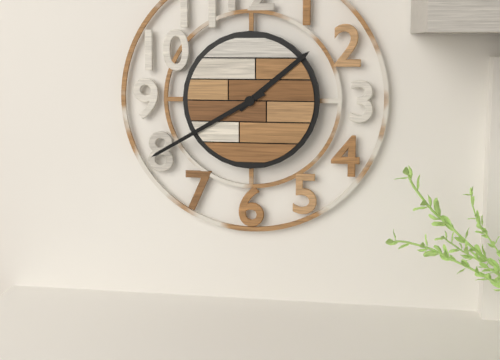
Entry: 1 h 40 min
